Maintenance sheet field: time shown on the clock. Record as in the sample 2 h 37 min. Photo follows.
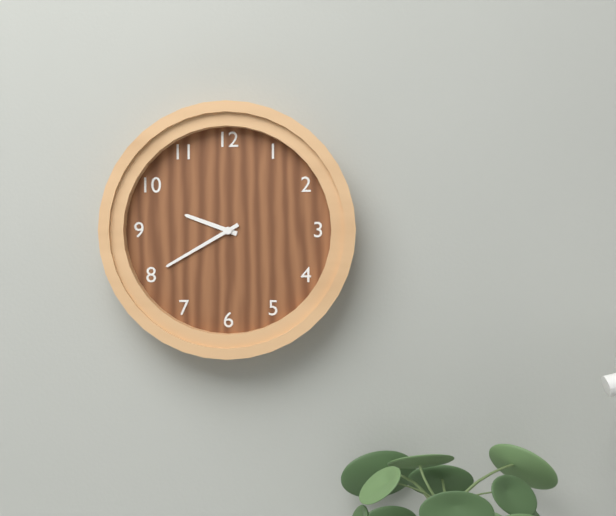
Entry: 9 h 40 min
